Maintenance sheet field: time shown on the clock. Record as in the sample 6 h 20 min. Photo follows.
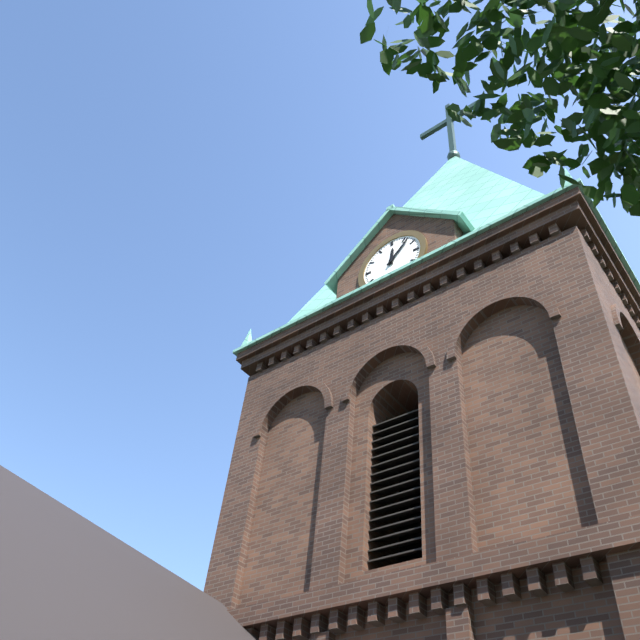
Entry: 12 h 07 min
